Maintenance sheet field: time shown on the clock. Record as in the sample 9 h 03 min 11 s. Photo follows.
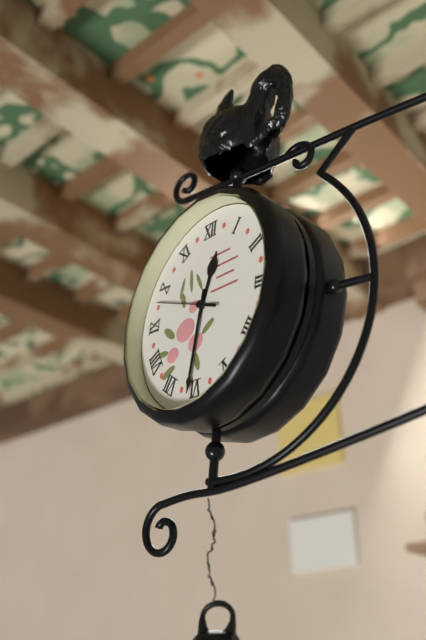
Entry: 12 h 31 min 48 s
